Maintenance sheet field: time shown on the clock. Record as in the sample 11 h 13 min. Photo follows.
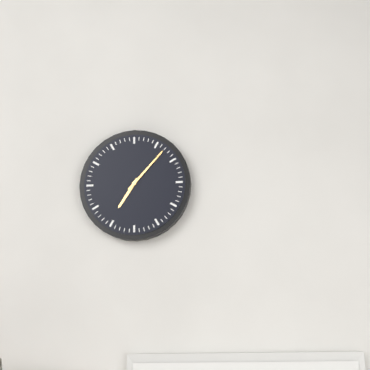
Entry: 7 h 07 min
